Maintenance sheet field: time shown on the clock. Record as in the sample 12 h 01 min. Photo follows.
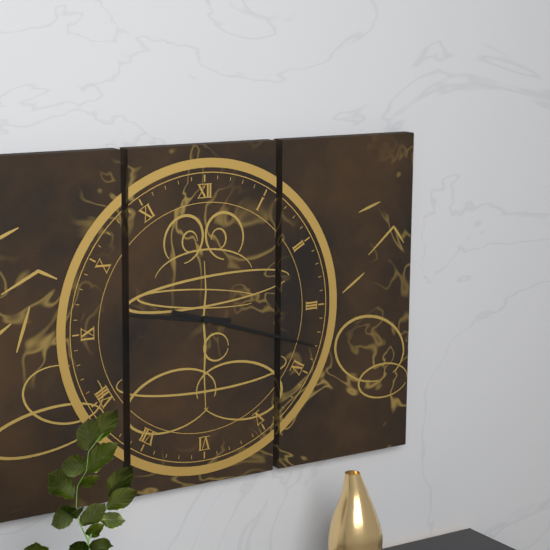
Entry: 9 h 18 min
